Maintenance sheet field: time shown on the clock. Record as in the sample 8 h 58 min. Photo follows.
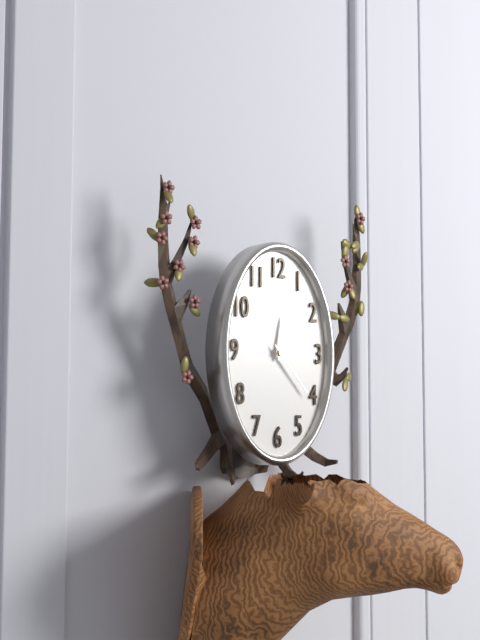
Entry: 12 h 23 min
